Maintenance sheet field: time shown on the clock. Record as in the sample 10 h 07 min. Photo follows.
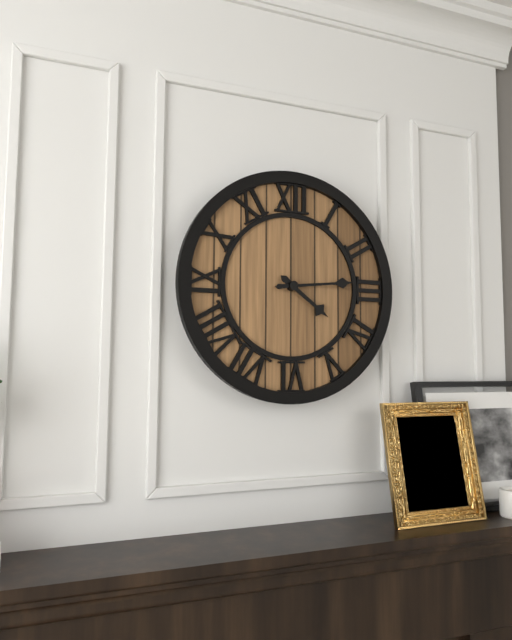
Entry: 4 h 14 min
